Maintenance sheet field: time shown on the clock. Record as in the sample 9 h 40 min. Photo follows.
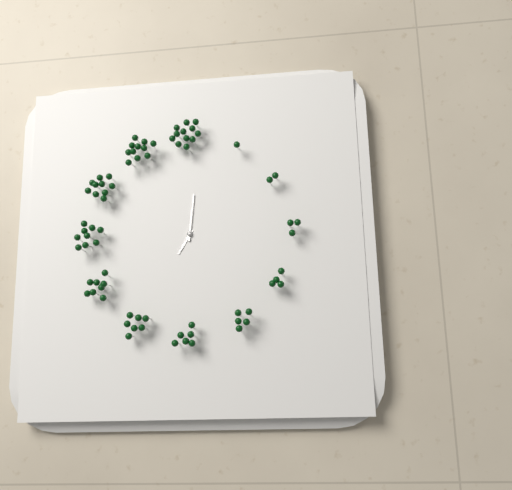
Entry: 7 h 01 min
